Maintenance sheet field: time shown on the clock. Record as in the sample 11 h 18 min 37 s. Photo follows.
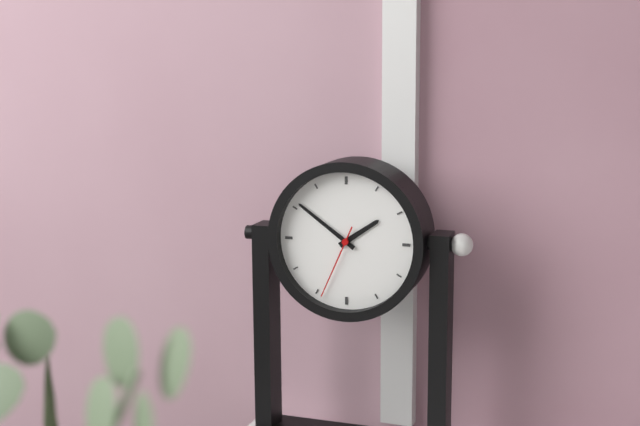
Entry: 1 h 51 min 34 s
